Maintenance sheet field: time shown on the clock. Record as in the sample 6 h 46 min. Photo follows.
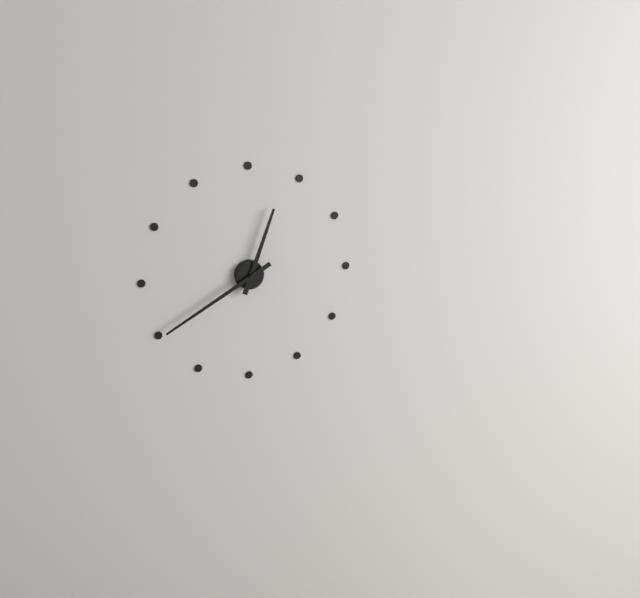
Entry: 12 h 40 min
